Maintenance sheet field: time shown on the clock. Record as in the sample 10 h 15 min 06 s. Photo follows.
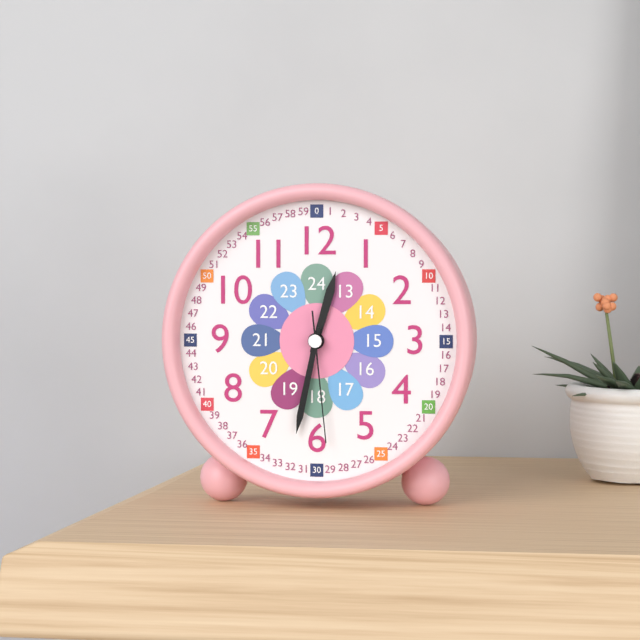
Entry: 12 h 32 min 29 s
